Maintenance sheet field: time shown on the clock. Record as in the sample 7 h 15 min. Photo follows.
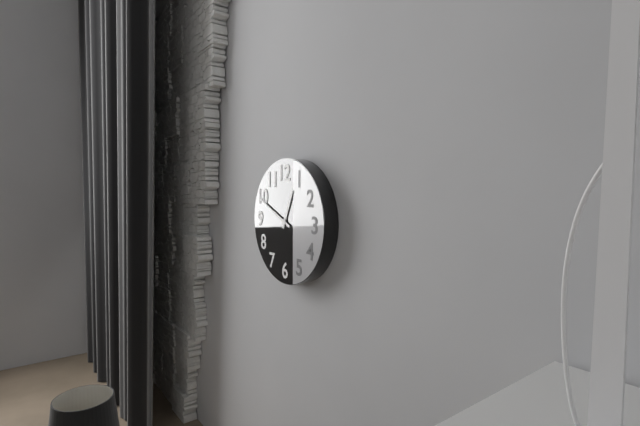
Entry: 12 h 49 min
